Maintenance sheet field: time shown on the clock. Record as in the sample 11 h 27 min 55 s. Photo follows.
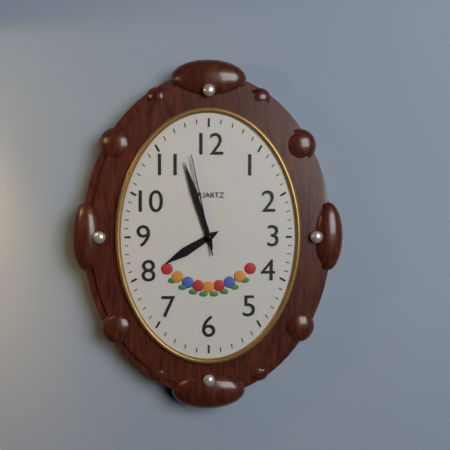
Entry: 7 h 57 min 58 s
